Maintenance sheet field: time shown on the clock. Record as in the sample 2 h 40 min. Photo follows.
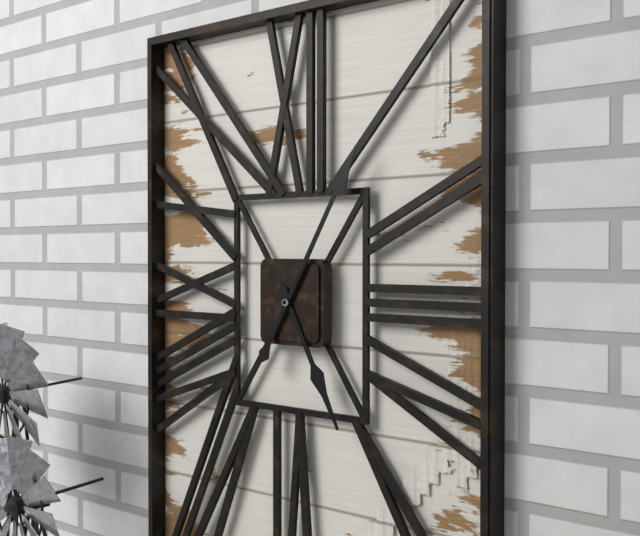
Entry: 5 h 05 min
